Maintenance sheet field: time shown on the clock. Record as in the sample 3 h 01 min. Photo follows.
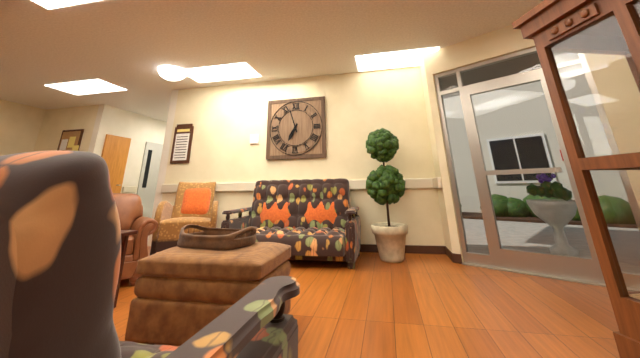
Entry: 6 h 57 min
